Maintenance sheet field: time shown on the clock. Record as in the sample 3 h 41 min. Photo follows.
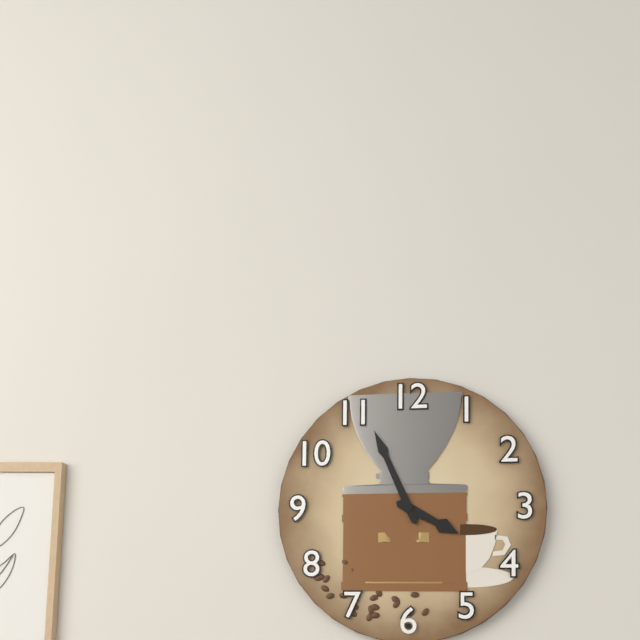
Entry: 3 h 56 min
